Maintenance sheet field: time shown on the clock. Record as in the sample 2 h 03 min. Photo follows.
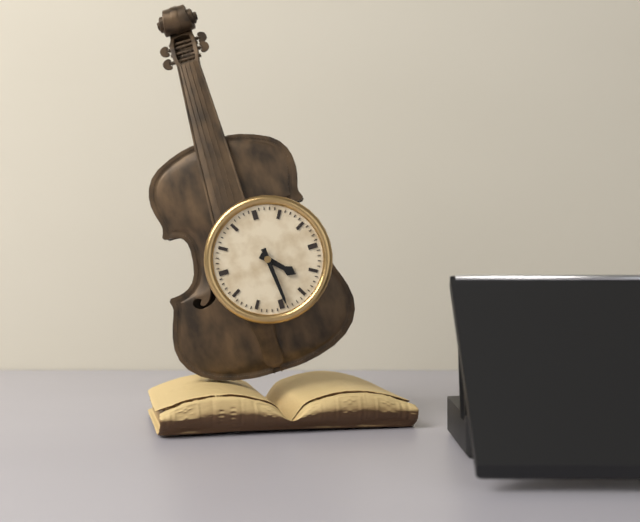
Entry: 4 h 29 min
